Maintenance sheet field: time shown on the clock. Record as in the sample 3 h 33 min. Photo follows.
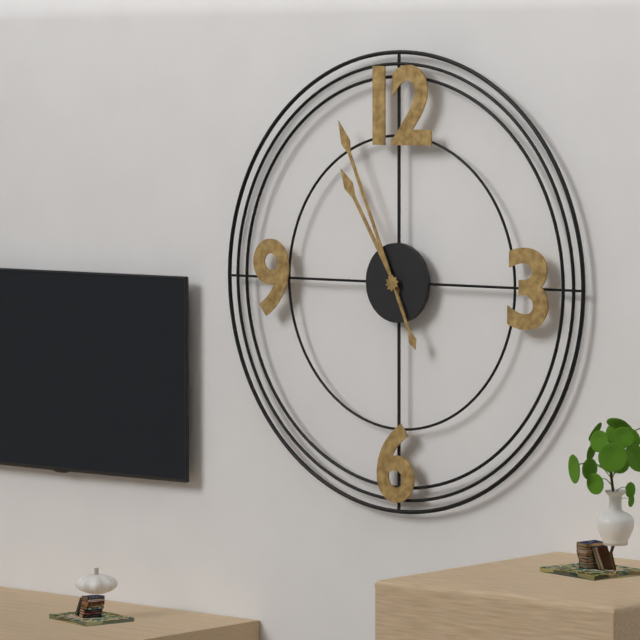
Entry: 10 h 56 min
